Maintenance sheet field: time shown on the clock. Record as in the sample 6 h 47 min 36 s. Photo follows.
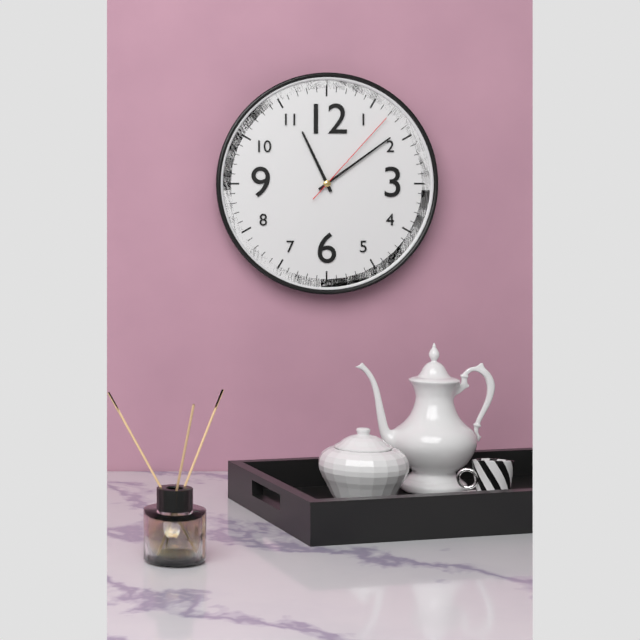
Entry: 11 h 09 min 07 s
